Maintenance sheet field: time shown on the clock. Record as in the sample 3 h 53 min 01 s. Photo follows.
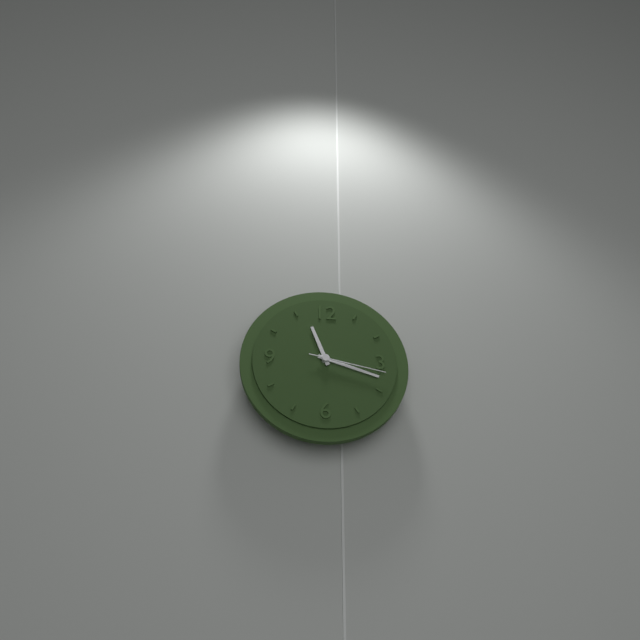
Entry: 11 h 18 min 17 s
